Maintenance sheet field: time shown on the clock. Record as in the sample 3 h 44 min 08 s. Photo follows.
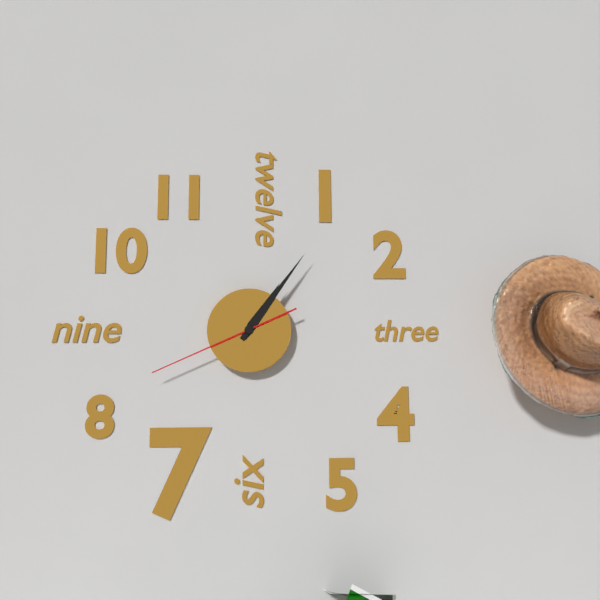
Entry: 1 h 06 min 41 s
